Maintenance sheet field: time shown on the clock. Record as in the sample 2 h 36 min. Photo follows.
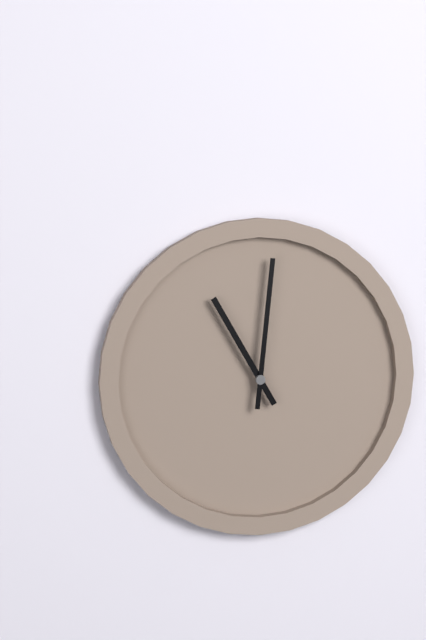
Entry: 11 h 01 min
